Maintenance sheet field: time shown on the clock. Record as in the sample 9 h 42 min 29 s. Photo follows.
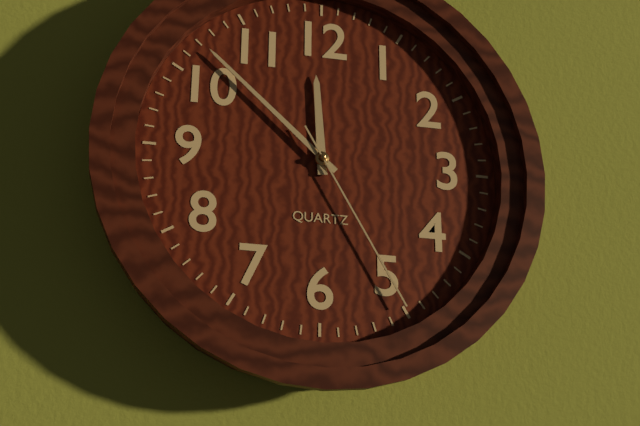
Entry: 11 h 52 min 25 s
